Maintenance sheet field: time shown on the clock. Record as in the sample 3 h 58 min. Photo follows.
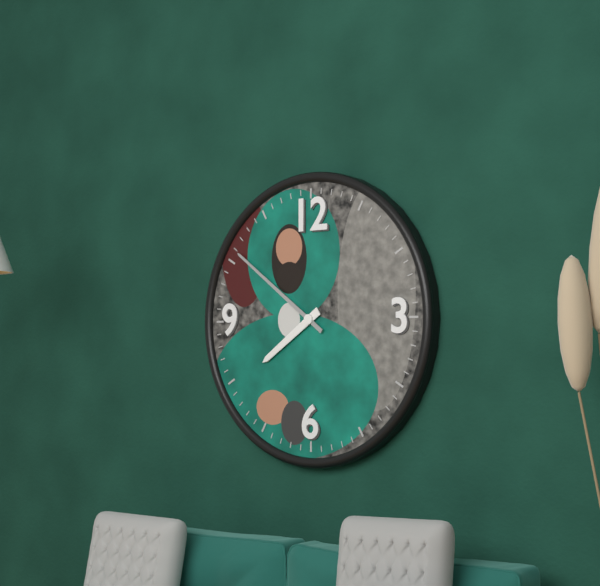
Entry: 7 h 51 min
